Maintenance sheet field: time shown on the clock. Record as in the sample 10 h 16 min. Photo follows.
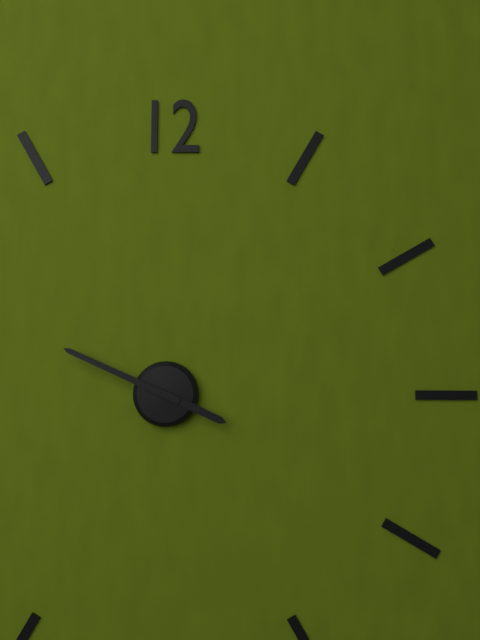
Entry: 3 h 49 min
